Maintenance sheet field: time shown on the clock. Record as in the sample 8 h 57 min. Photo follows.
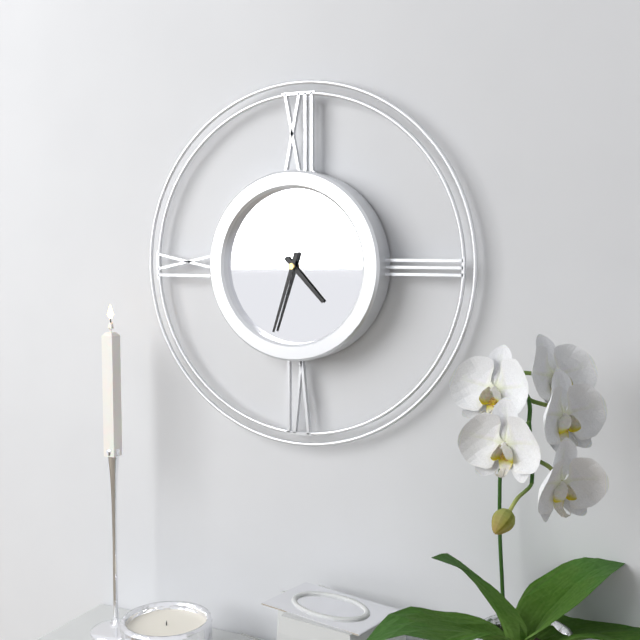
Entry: 4 h 33 min
